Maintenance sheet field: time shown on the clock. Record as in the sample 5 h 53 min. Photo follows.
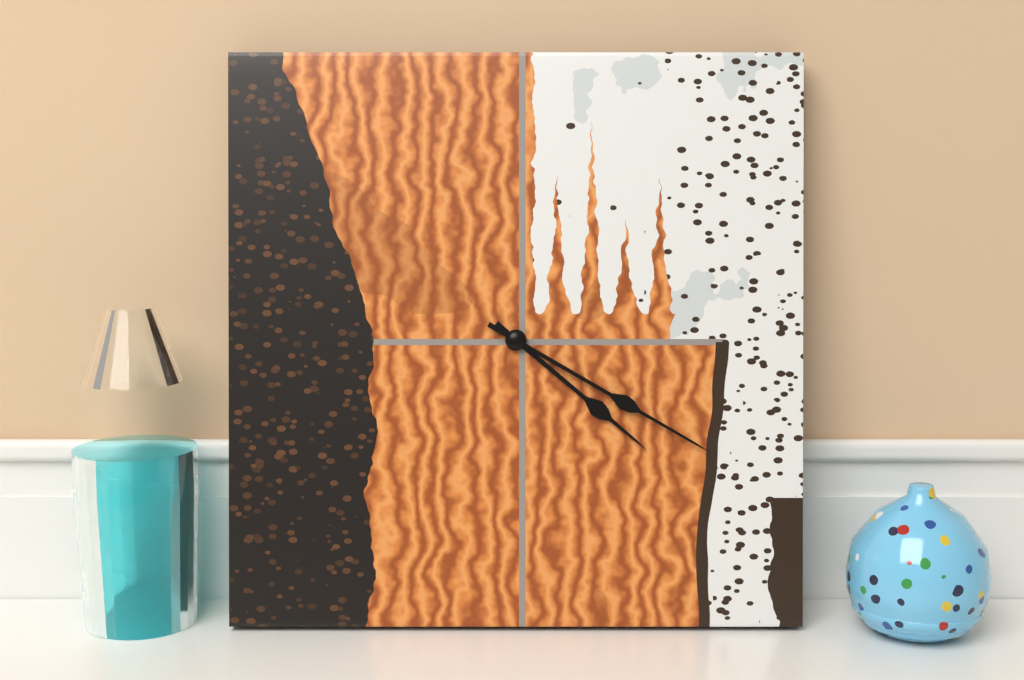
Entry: 4 h 20 min
